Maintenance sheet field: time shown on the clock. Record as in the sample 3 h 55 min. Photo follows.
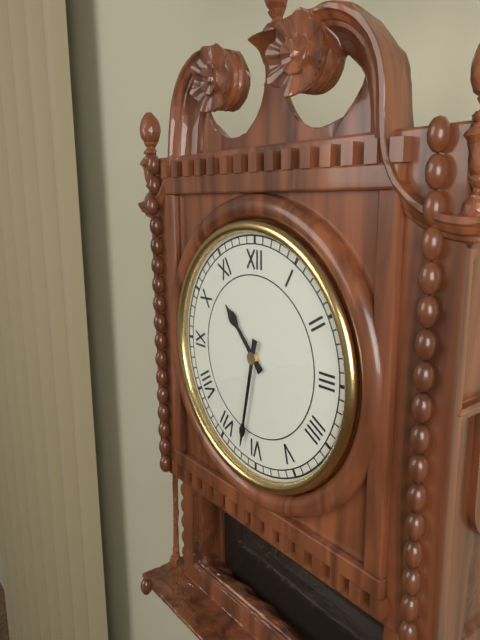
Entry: 10 h 32 min
